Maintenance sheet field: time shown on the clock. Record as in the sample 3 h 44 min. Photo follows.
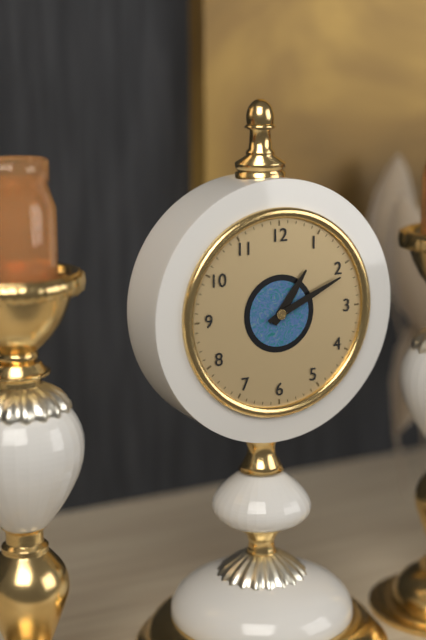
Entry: 1 h 11 min
